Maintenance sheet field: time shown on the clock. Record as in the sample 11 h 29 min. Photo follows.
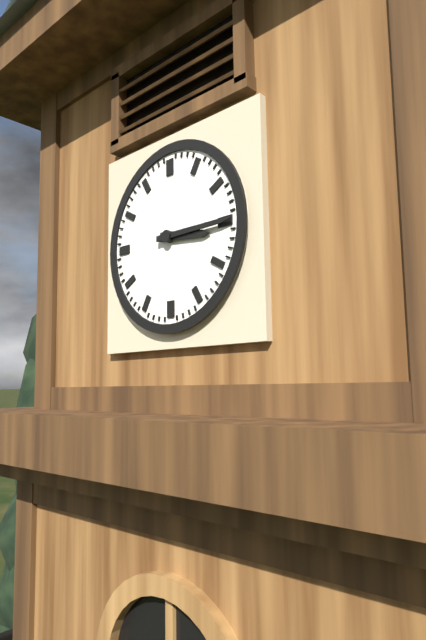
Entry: 3 h 15 min
